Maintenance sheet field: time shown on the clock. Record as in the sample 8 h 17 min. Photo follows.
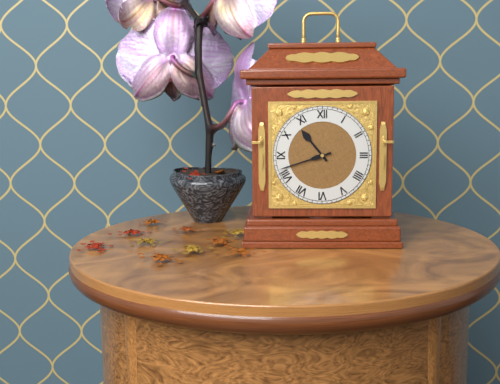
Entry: 10 h 42 min
